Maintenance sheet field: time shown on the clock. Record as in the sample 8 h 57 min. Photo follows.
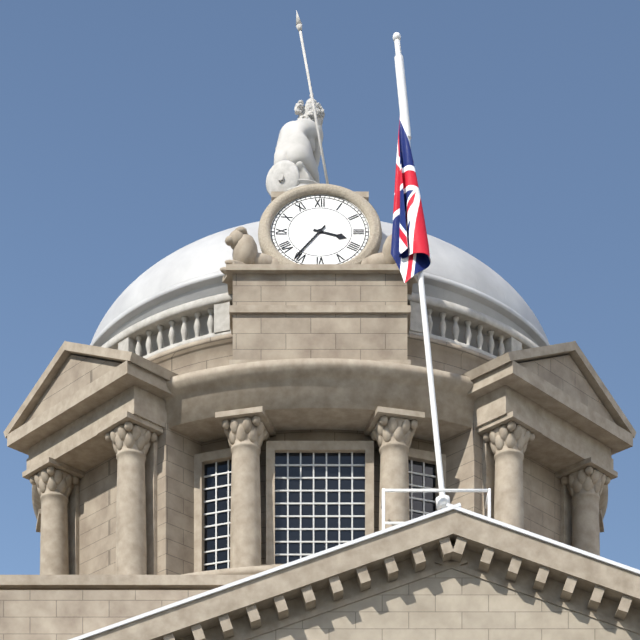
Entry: 3 h 36 min
